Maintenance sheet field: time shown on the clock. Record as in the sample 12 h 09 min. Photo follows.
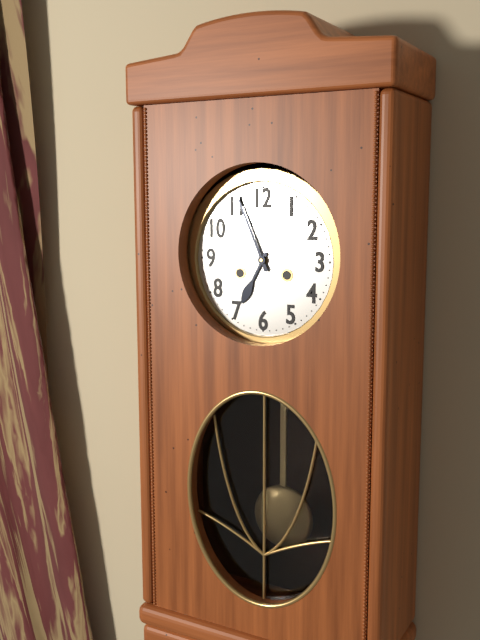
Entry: 6 h 56 min
